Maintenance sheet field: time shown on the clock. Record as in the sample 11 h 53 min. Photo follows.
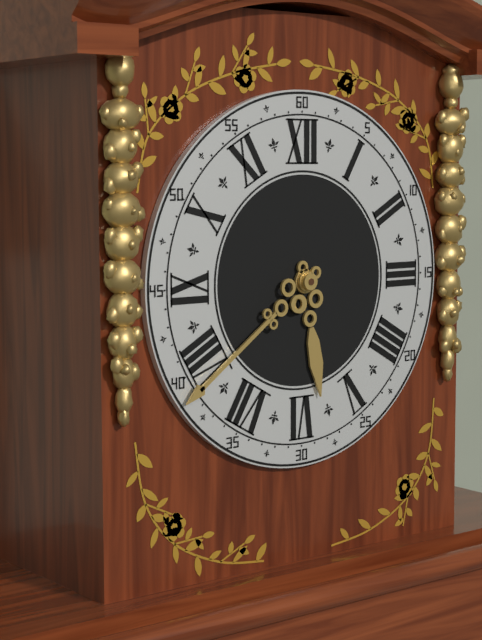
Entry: 5 h 39 min
